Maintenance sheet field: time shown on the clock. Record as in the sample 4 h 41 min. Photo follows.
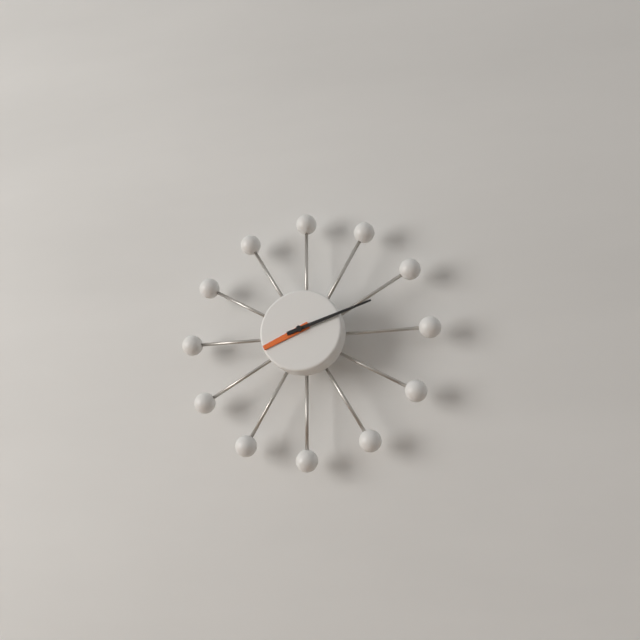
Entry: 8 h 12 min
